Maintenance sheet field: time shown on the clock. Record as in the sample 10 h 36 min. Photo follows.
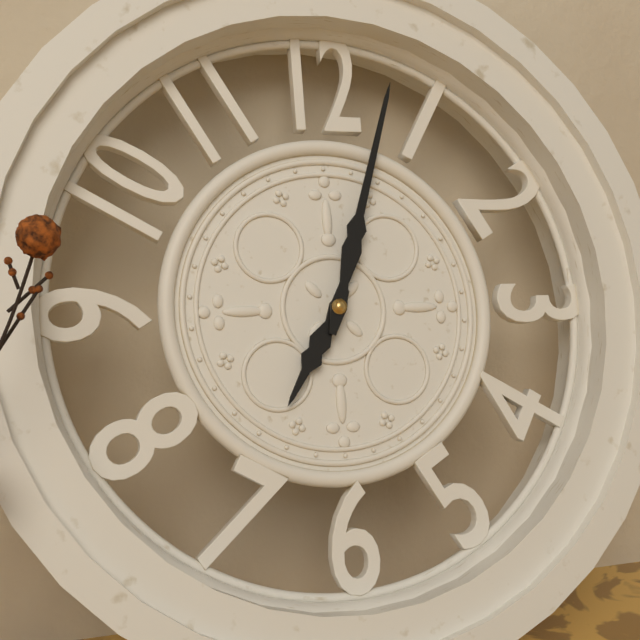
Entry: 7 h 03 min
